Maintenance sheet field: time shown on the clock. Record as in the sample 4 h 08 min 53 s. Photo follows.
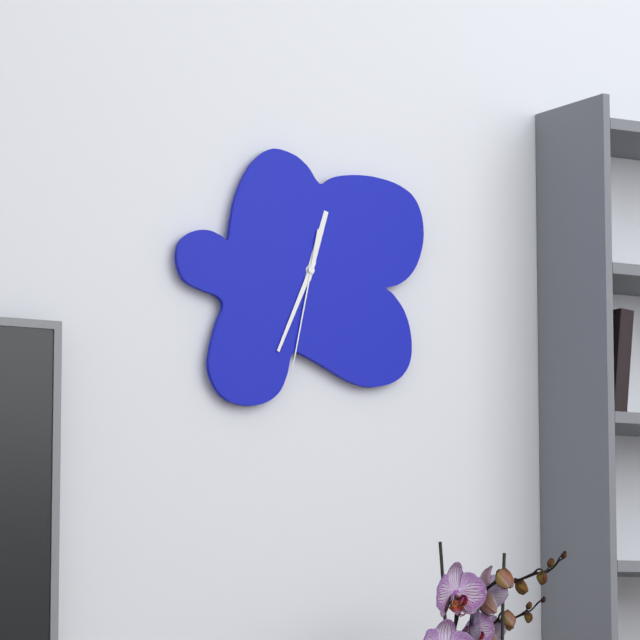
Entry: 12 h 34 min 32 s
